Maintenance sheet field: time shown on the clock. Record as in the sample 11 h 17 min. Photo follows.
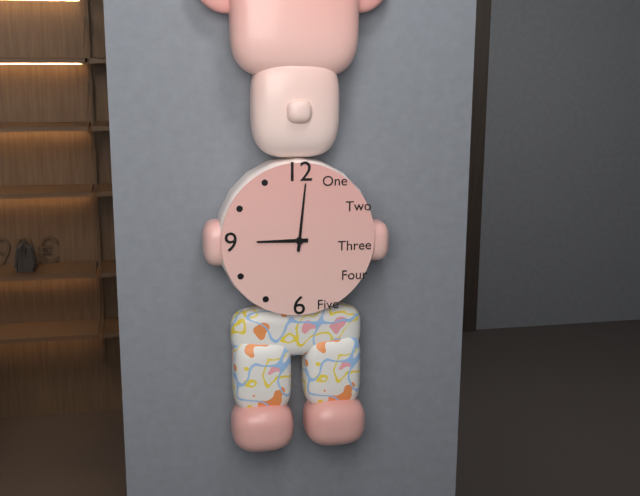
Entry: 9 h 01 min
